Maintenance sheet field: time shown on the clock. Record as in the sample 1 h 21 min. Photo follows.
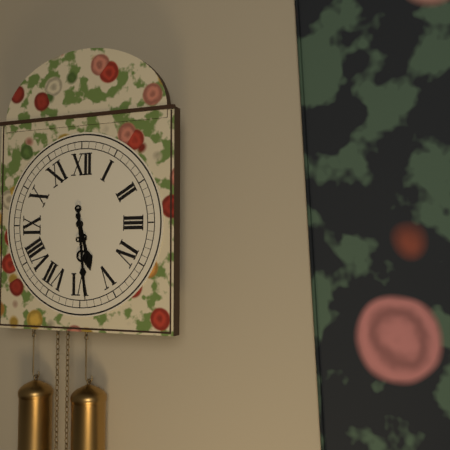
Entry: 5 h 29 min
